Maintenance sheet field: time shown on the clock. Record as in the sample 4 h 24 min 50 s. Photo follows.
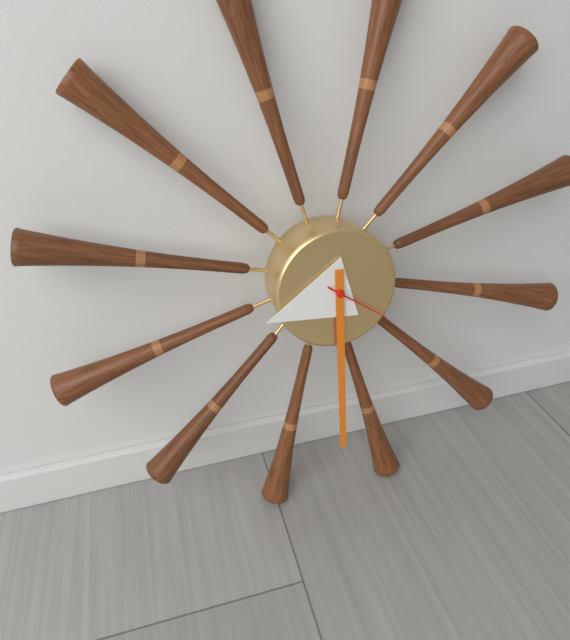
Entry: 8 h 30 min 21 s
